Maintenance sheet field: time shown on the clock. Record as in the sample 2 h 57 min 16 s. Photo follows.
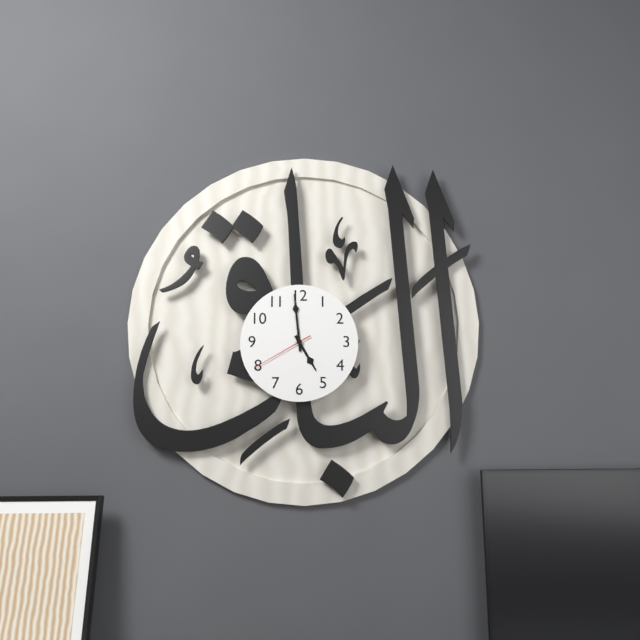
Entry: 4 h 59 min 40 s
